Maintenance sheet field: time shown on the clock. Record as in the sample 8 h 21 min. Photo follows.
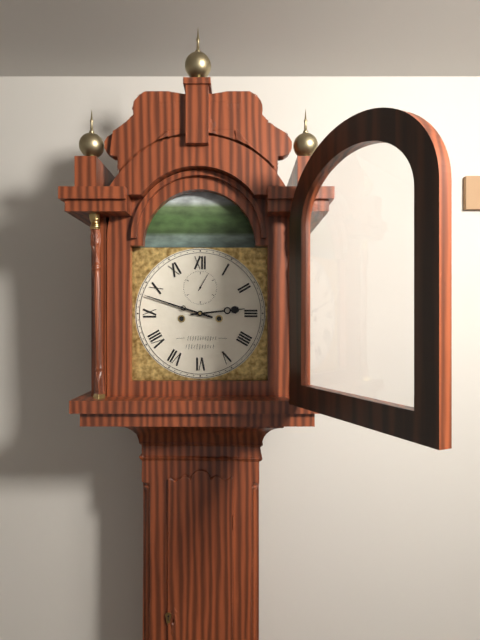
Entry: 2 h 48 min
